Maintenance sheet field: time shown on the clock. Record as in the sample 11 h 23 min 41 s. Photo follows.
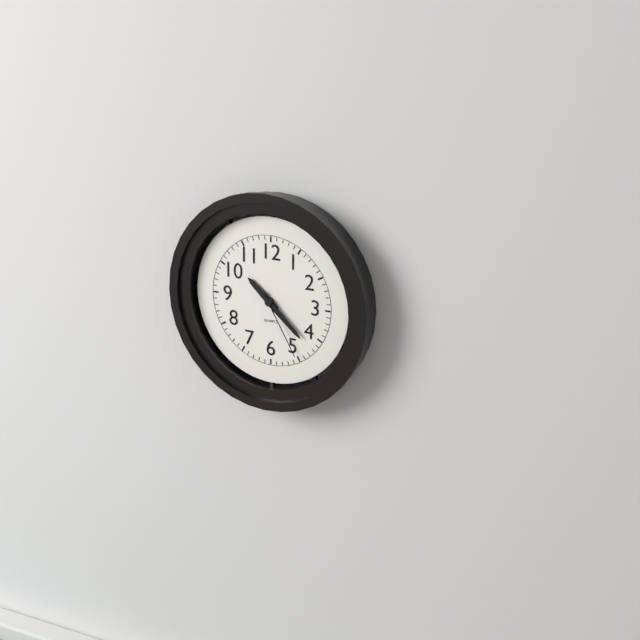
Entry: 10 h 22 min 25 s
